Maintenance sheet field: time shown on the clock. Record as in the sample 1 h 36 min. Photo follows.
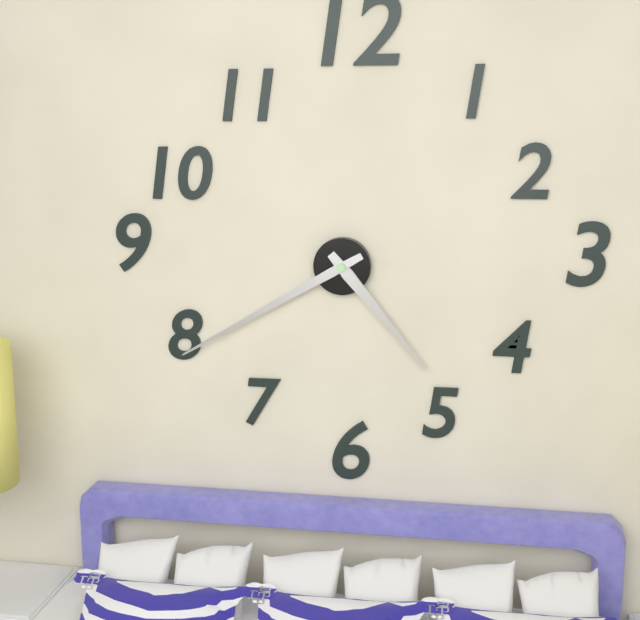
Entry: 4 h 40 min
